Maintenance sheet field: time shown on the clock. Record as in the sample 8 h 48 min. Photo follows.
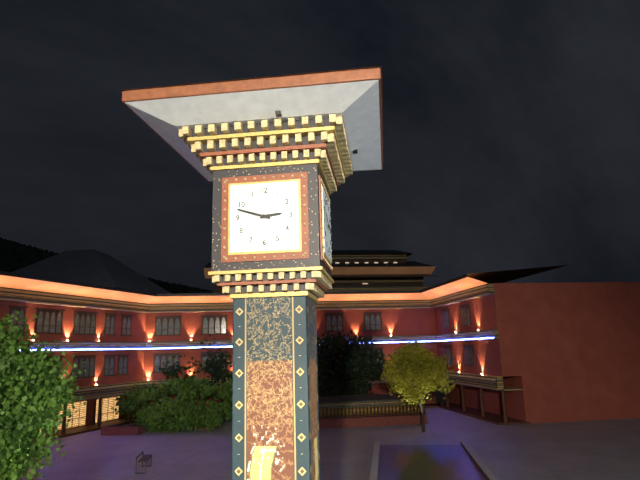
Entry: 2 h 48 min
